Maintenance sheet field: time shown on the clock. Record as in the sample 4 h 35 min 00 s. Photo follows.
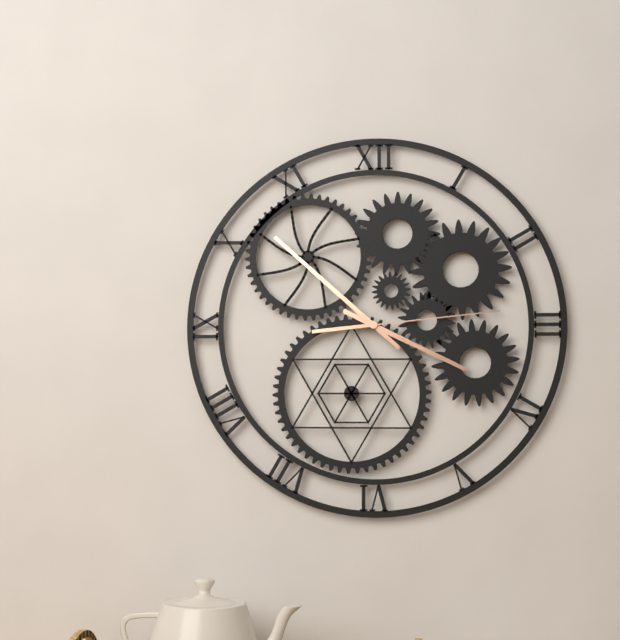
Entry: 3 h 52 min 14 s
